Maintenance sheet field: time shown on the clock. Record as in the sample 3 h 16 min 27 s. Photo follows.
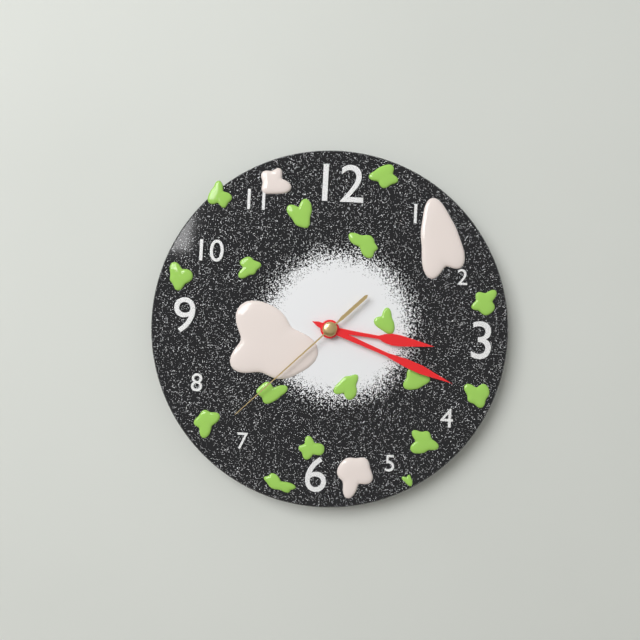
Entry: 3 h 19 min 38 s
